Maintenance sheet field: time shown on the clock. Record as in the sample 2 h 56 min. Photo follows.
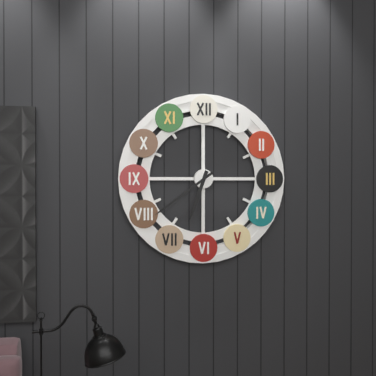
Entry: 6 h 39 min
